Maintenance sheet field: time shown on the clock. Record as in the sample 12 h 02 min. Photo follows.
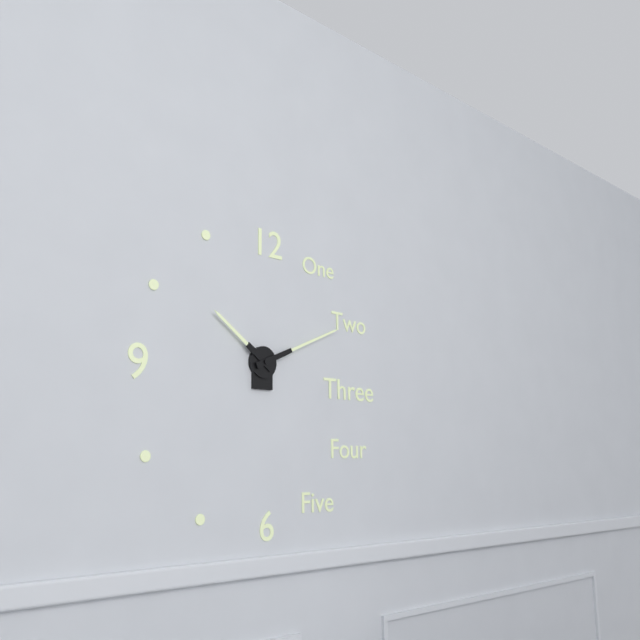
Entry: 10 h 11 min
